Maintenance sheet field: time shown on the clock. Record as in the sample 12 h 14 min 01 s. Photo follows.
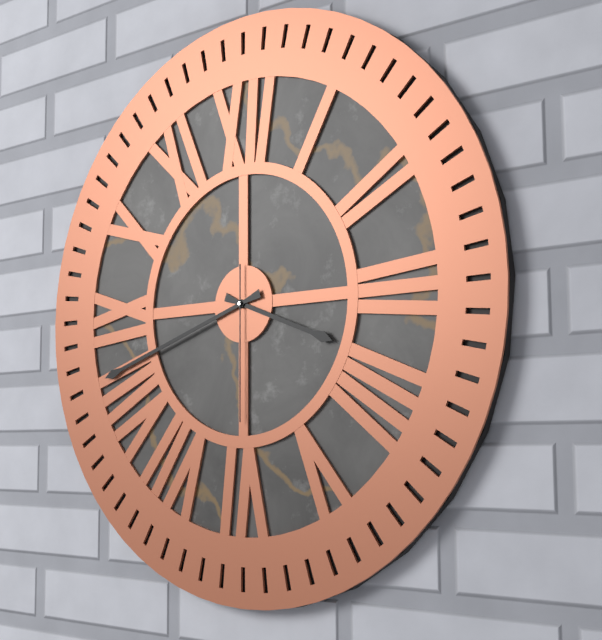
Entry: 3 h 42 min 30 s
